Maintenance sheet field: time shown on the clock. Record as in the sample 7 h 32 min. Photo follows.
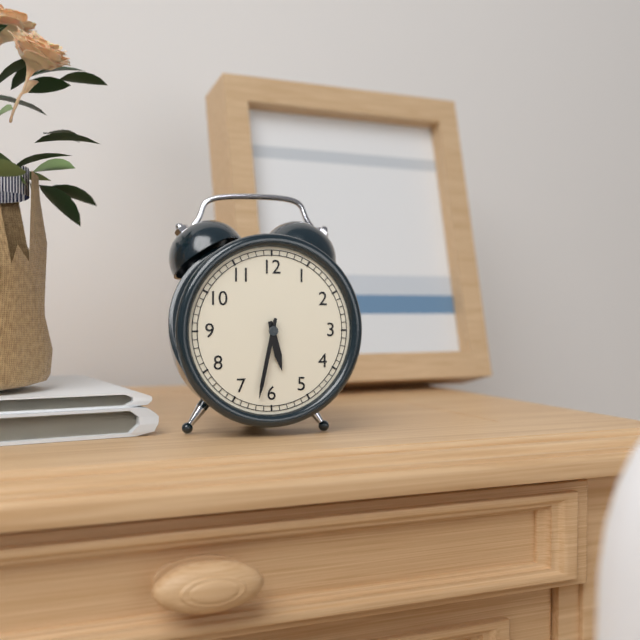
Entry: 5 h 32 min
